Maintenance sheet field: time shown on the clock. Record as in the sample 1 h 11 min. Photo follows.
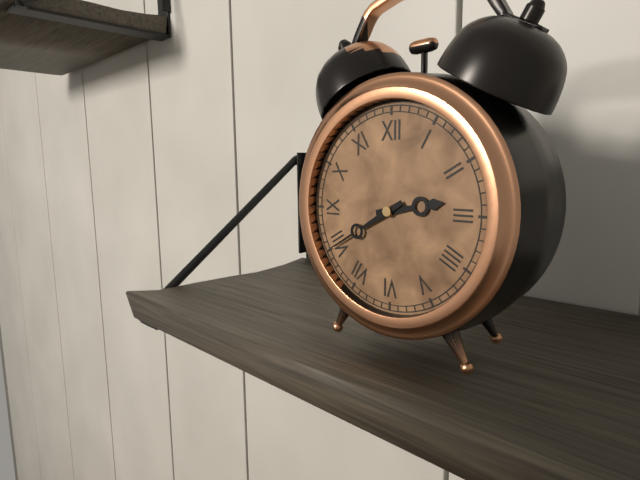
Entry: 2 h 40 min
